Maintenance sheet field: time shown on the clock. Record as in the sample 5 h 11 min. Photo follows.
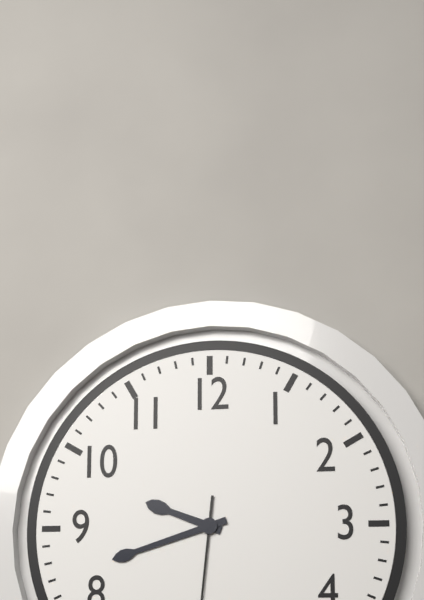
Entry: 9 h 42 min
